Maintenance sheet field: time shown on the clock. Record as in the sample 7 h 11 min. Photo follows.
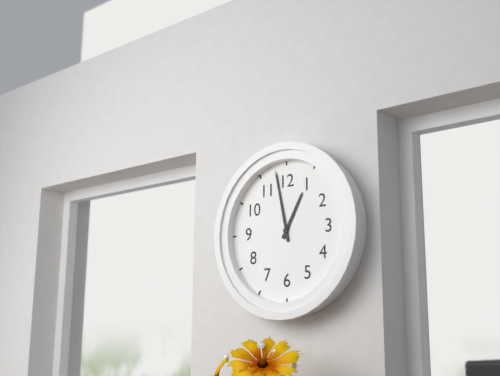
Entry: 12 h 58 min
